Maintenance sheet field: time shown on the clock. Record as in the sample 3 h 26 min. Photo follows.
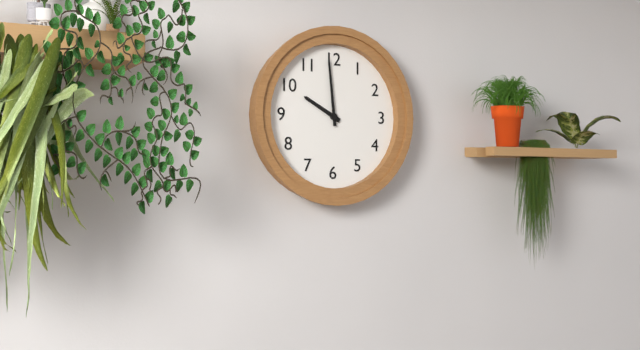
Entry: 9 h 59 min
